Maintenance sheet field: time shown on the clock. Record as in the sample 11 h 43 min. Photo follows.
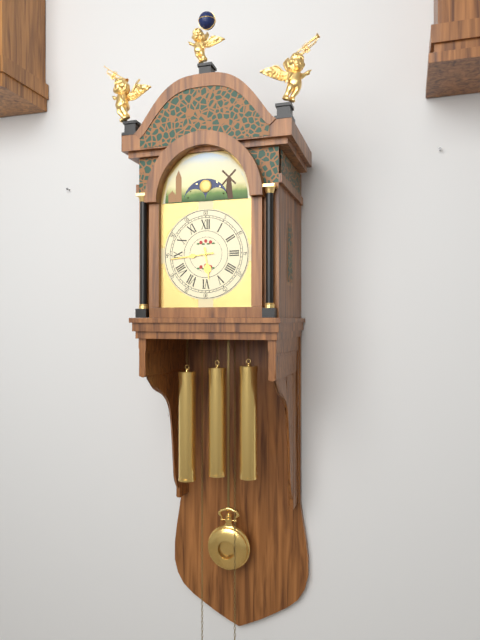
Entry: 5 h 44 min
